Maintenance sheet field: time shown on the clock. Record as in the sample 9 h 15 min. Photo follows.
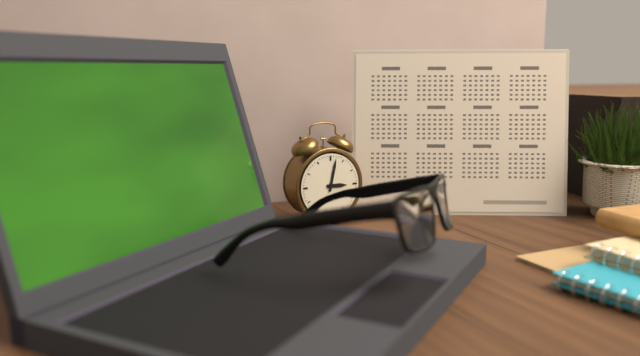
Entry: 3 h 02 min
